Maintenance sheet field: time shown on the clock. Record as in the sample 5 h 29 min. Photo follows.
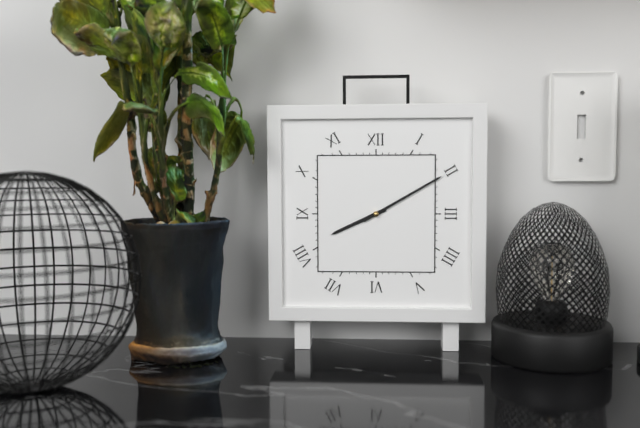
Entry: 8 h 10 min
